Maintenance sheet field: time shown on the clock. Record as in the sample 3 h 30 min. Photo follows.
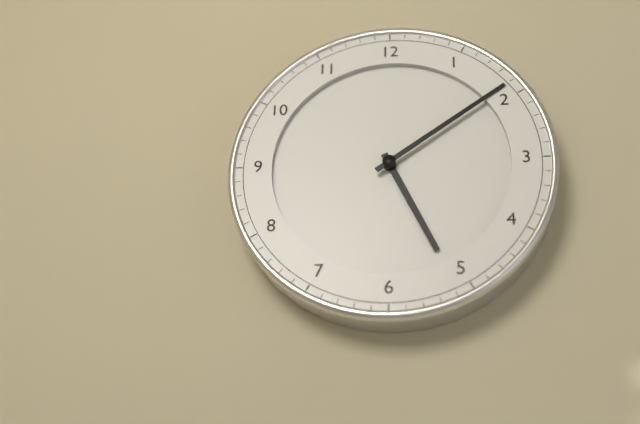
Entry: 5 h 09 min
